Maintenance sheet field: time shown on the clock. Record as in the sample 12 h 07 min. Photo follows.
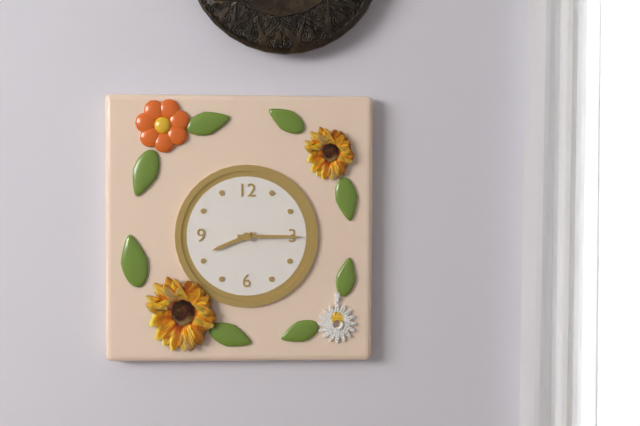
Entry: 8 h 15 min
